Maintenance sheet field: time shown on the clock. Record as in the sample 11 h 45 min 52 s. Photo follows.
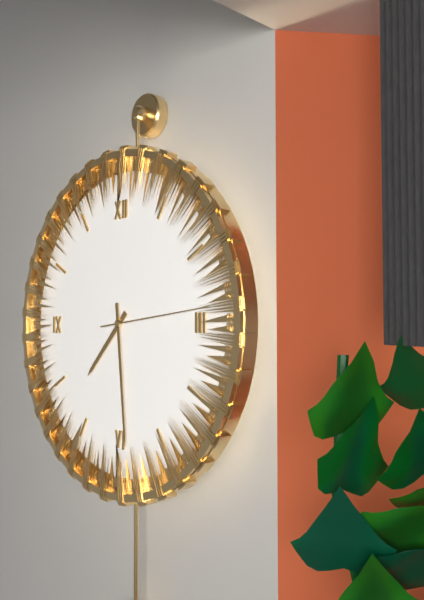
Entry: 7 h 29 min 14 s
